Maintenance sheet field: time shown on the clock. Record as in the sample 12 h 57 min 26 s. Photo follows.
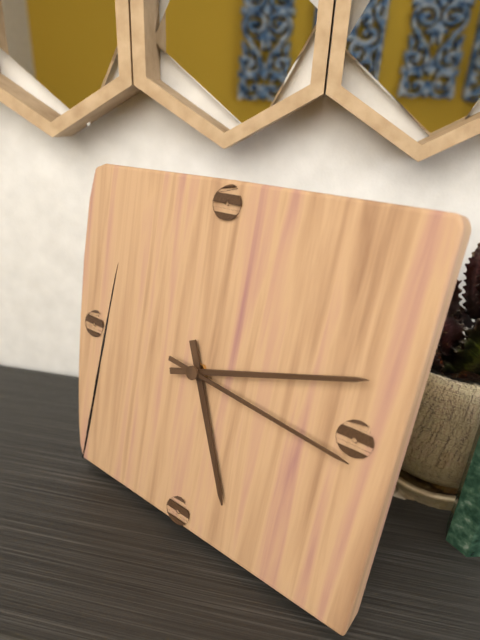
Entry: 5 h 12 min 16 s
